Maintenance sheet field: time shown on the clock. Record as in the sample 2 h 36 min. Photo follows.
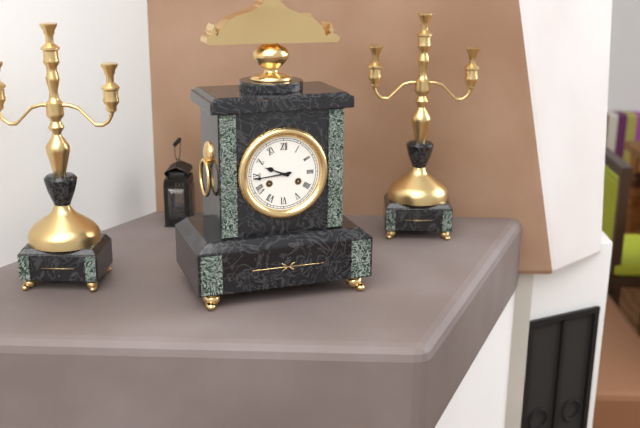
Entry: 9 h 44 min
